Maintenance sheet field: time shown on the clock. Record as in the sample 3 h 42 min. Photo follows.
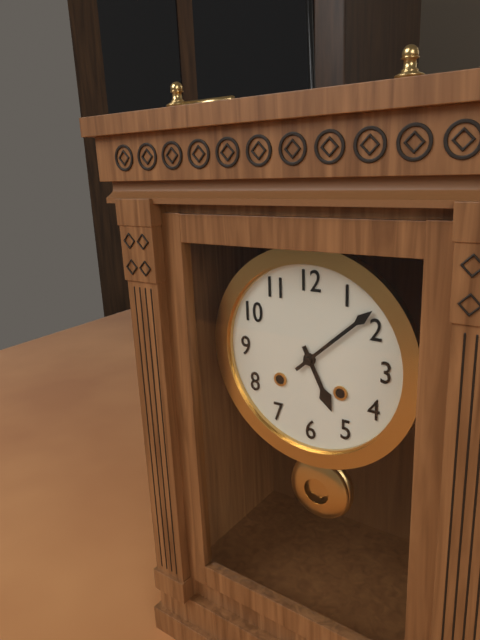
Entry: 5 h 08 min
